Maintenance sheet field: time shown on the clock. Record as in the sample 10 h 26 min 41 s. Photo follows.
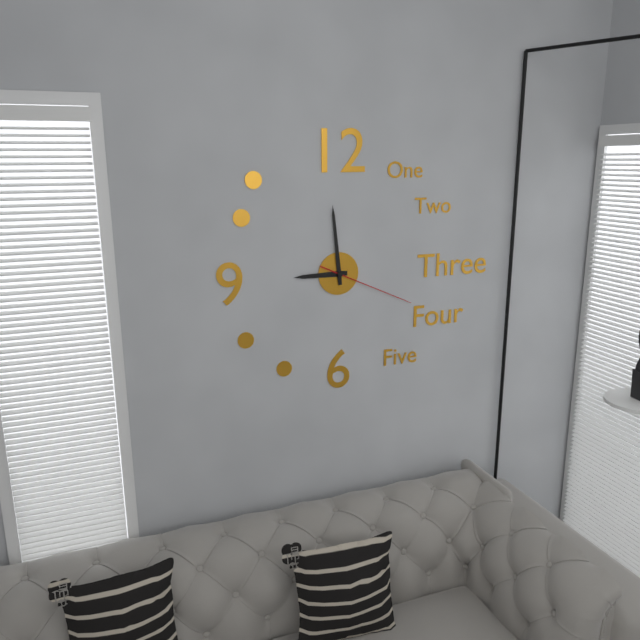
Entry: 8 h 59 min 19 s
